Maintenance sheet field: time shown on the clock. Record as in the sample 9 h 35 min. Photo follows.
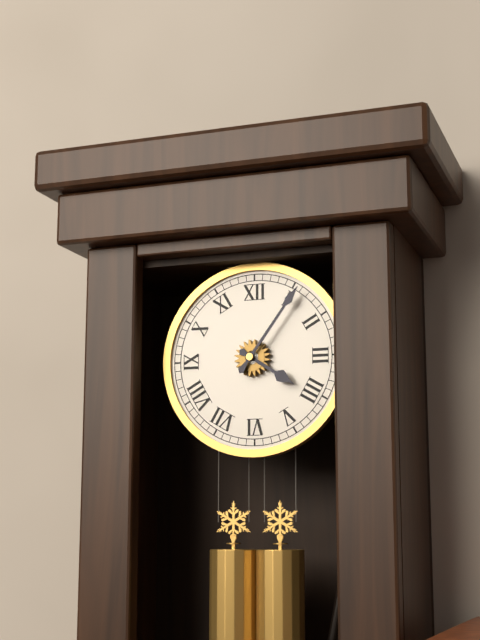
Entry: 4 h 06 min
